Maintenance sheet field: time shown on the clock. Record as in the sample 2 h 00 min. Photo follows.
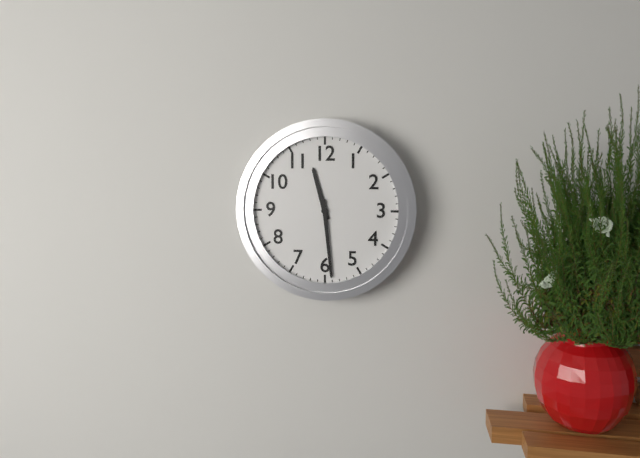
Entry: 11 h 29 min
